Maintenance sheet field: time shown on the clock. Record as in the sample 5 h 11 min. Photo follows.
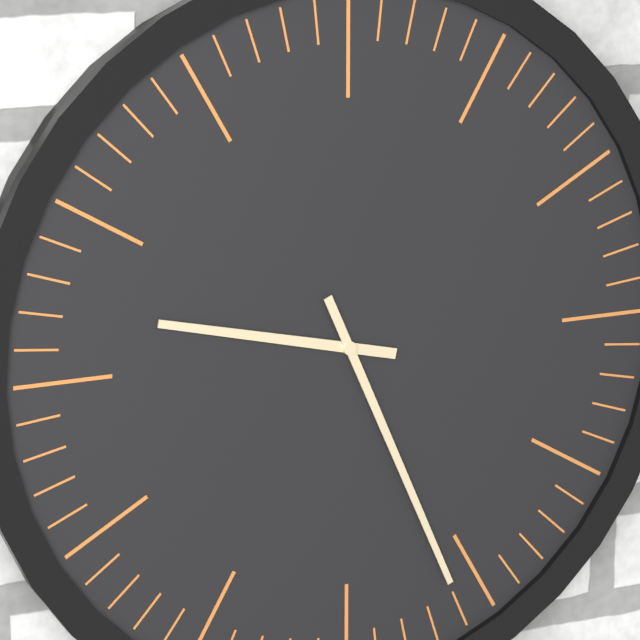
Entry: 9 h 26 min
